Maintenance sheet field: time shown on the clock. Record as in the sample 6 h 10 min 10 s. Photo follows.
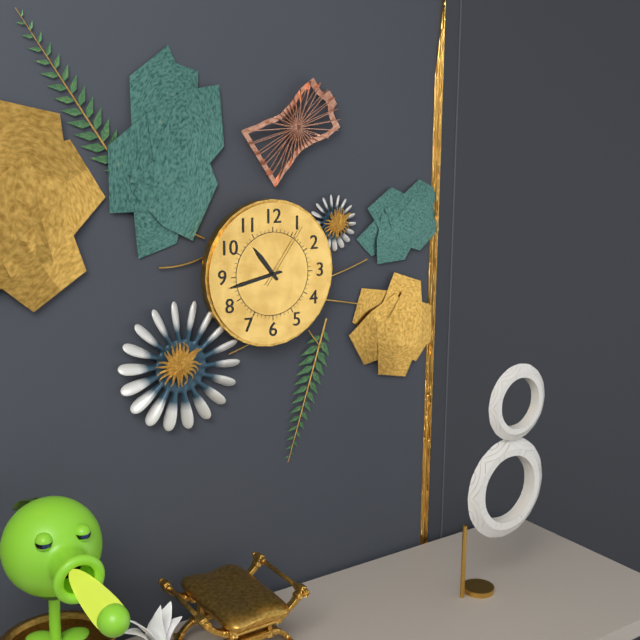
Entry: 10 h 43 min 06 s
